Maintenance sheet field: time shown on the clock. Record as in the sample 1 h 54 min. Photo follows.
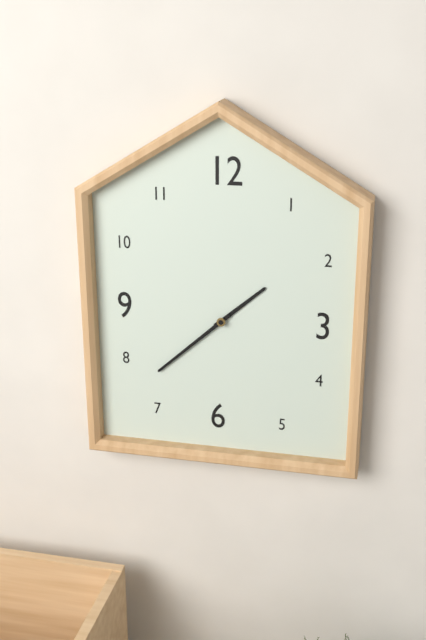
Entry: 1 h 38 min
